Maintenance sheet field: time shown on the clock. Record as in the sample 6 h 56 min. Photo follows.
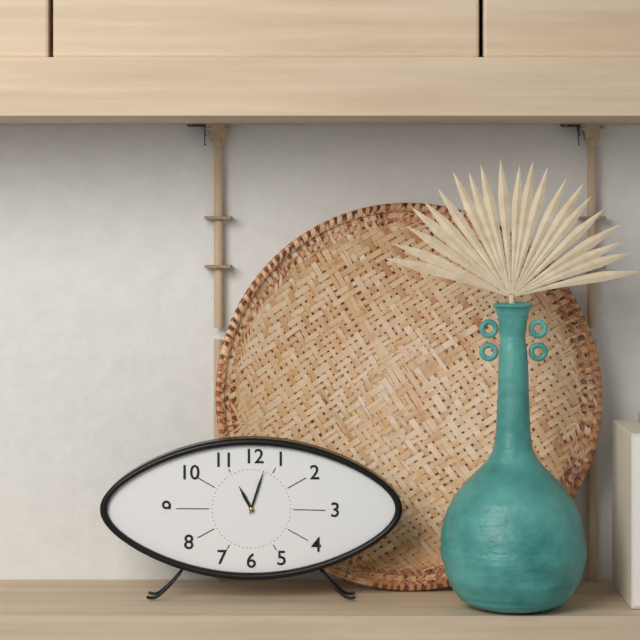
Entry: 11 h 03 min
